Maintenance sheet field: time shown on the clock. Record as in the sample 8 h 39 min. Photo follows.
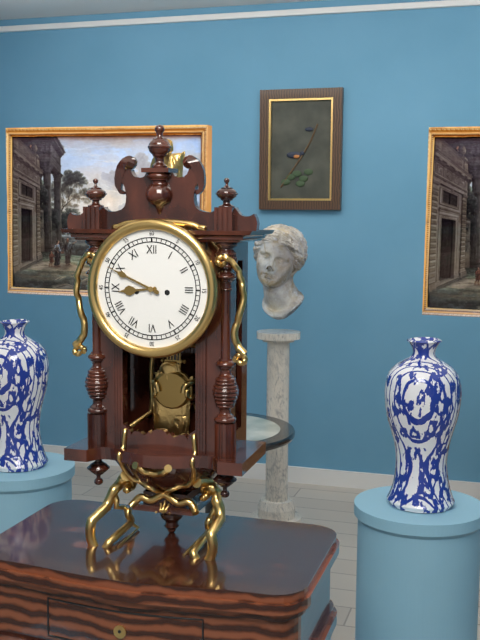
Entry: 8 h 49 min
